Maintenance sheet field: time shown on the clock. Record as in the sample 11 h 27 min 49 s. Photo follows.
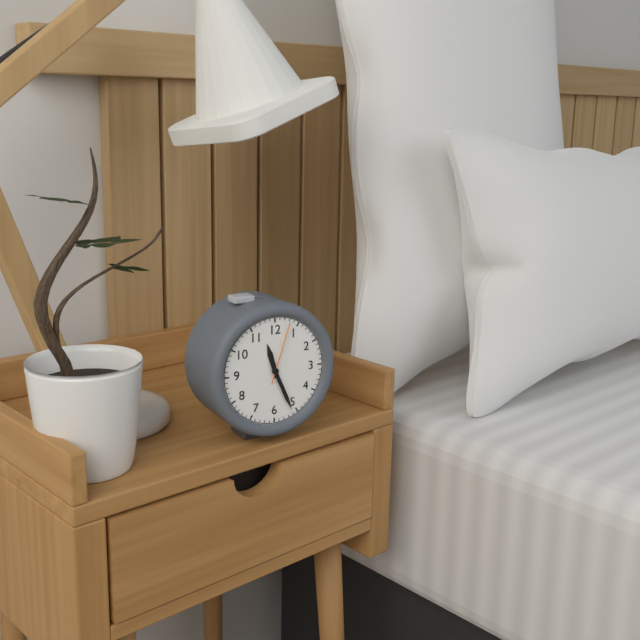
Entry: 11 h 26 min 03 s
